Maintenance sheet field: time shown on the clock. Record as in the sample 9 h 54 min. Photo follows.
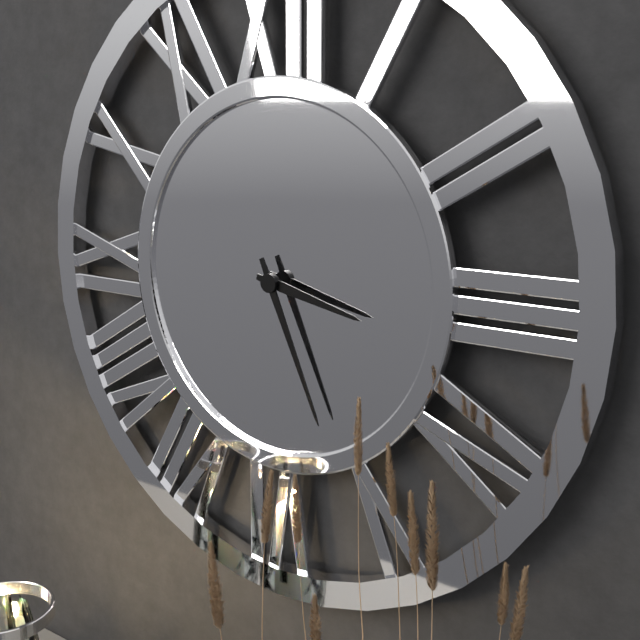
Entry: 3 h 26 min
